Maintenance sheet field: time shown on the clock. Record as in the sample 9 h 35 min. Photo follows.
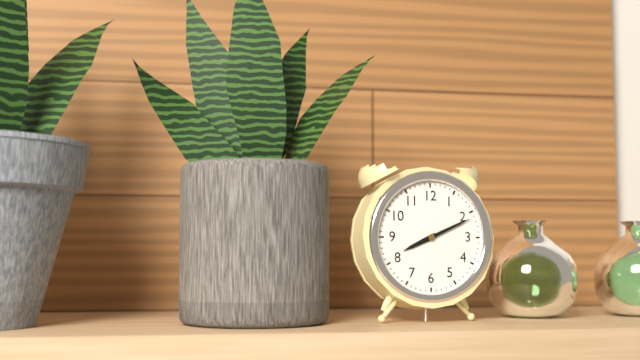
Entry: 8 h 11 min
